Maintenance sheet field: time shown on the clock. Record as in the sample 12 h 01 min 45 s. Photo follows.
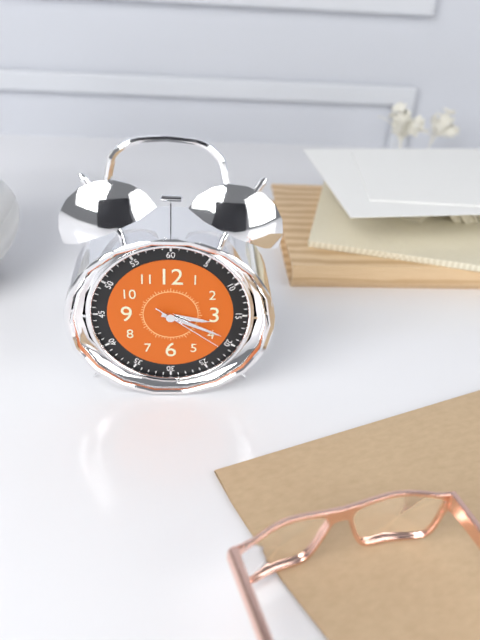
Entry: 3 h 19 min 21 s
